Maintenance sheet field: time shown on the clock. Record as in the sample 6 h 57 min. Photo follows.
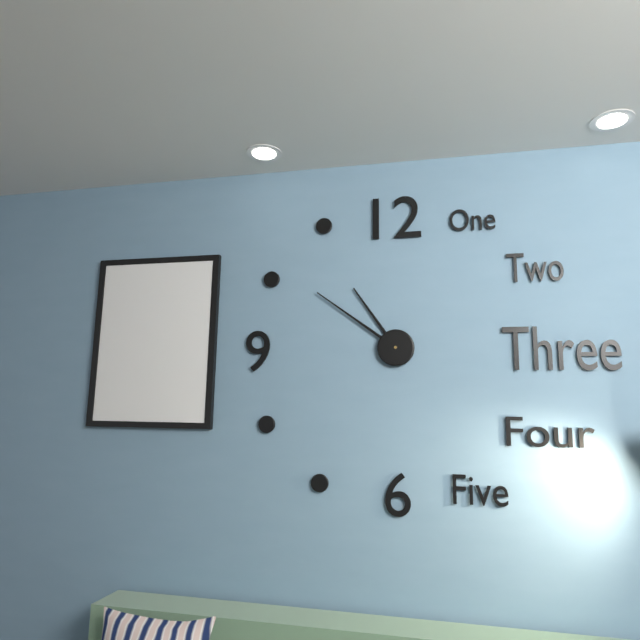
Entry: 10 h 51 min
